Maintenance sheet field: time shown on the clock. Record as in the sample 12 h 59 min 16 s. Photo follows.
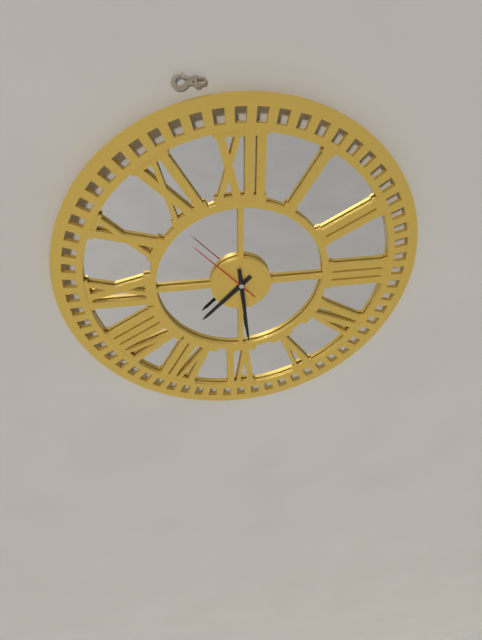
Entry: 7 h 29 min 53 s
